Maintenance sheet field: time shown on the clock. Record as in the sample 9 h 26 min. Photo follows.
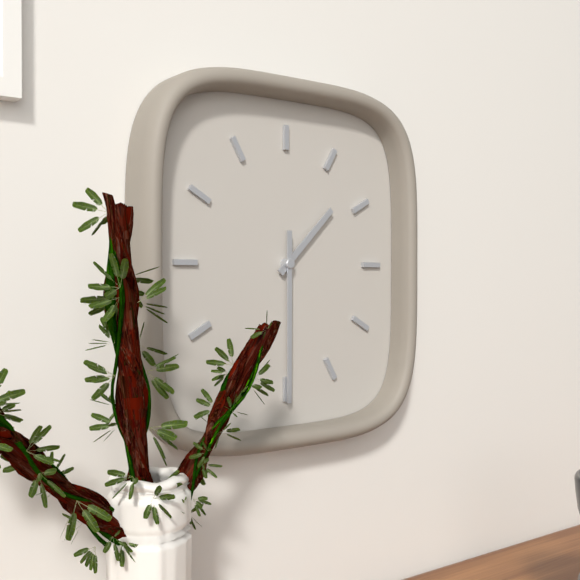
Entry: 1 h 30 min
